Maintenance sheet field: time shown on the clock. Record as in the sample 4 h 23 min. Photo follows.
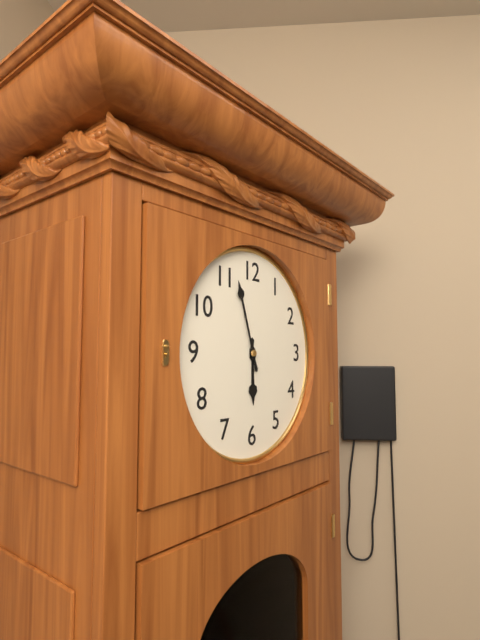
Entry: 5 h 57 min
